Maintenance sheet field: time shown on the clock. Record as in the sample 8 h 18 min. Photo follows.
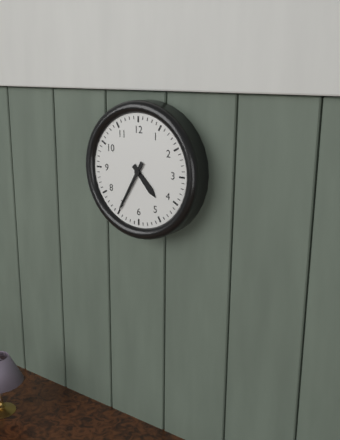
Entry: 4 h 35 min
